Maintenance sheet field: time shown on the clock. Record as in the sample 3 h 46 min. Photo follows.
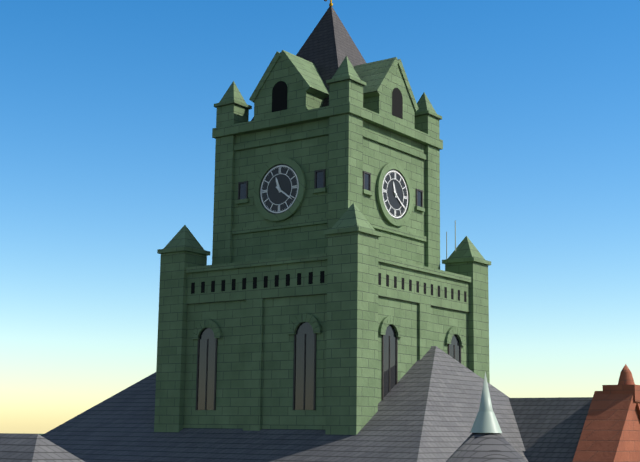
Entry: 11 h 21 min
